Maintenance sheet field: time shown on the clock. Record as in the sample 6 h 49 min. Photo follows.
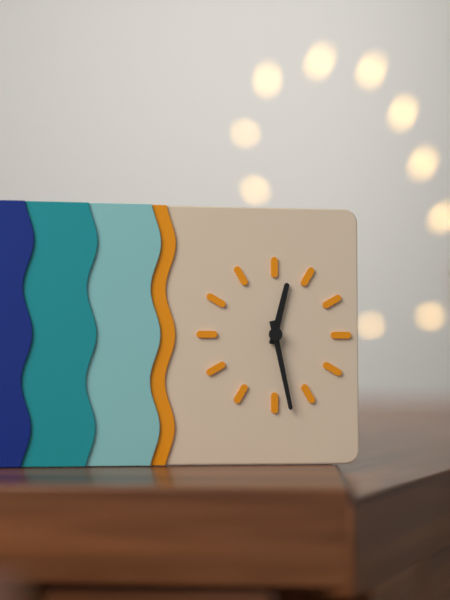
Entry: 12 h 28 min
